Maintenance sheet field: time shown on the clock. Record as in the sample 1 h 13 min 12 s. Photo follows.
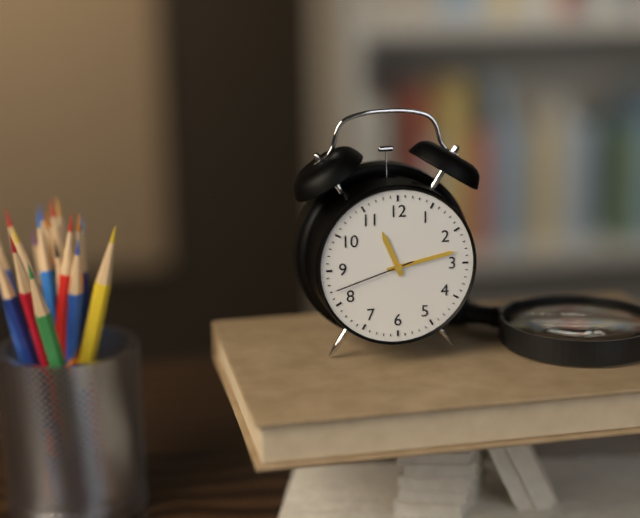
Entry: 11 h 13 min 42 s
